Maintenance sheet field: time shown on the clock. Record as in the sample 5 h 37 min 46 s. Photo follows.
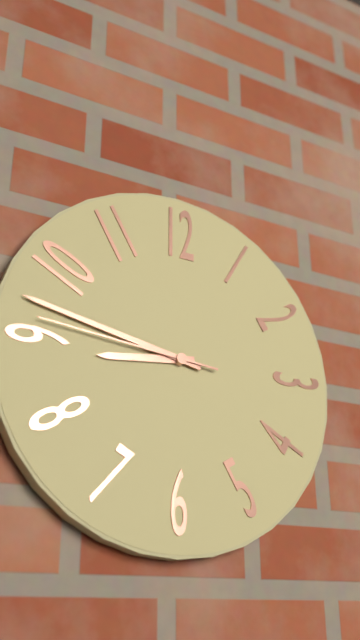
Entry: 8 h 47 min 46 s
